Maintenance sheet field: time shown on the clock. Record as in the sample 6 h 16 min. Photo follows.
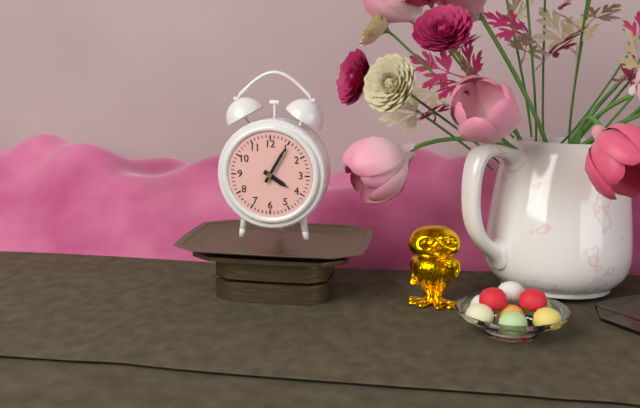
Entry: 4 h 05 min
